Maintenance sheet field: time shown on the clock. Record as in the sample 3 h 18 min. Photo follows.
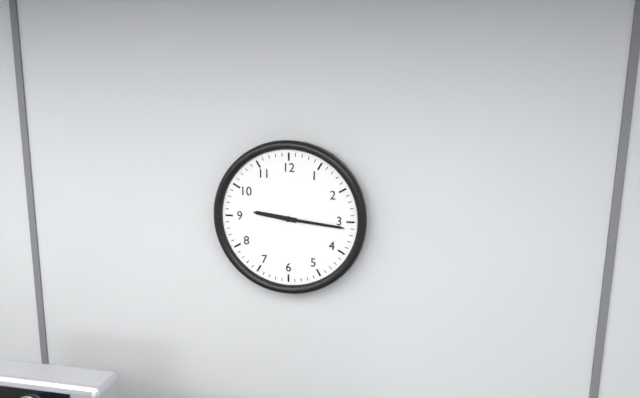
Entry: 9 h 16 min
